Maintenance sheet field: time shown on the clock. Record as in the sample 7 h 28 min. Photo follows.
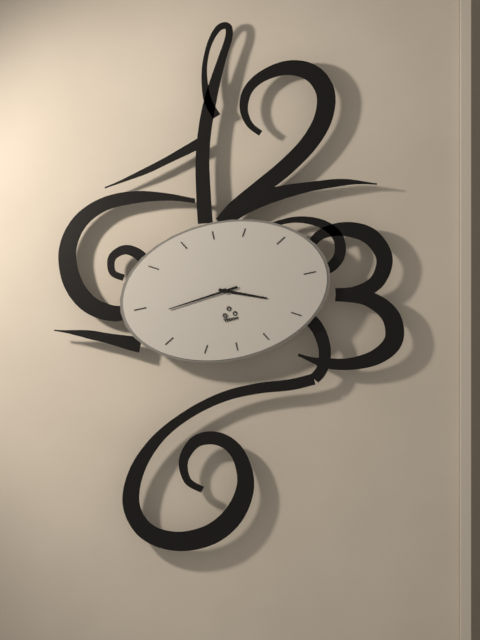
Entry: 3 h 44 min
